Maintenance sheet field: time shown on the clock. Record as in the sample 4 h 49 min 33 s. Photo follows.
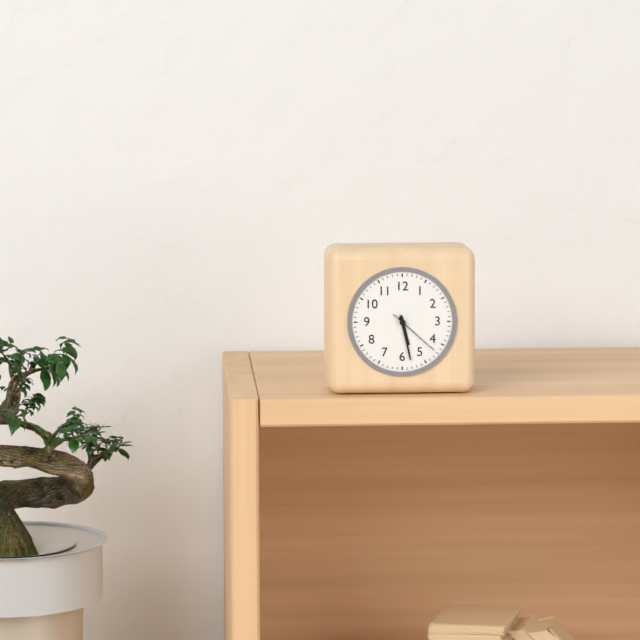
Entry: 5 h 28 min 22 s
